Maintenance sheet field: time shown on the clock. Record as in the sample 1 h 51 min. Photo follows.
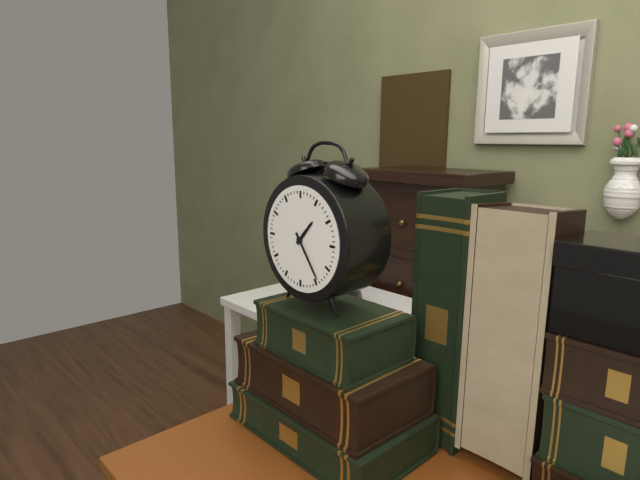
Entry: 1 h 24 min
